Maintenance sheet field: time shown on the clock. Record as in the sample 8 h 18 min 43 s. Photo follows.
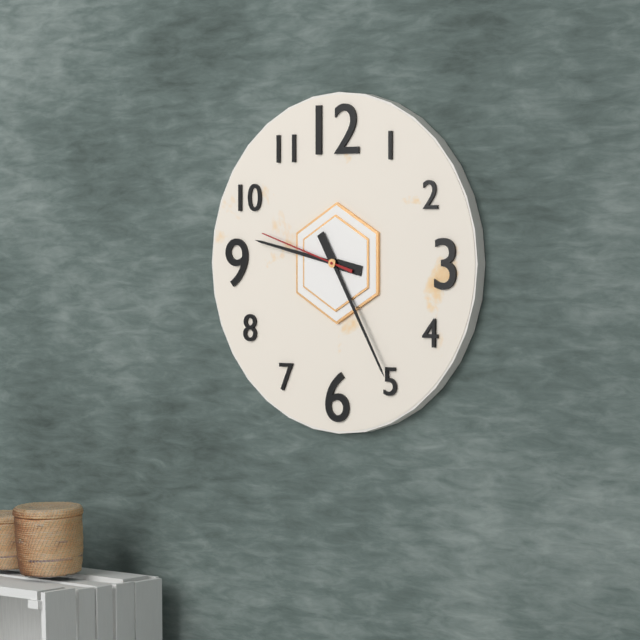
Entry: 9 h 25 min 48 s
